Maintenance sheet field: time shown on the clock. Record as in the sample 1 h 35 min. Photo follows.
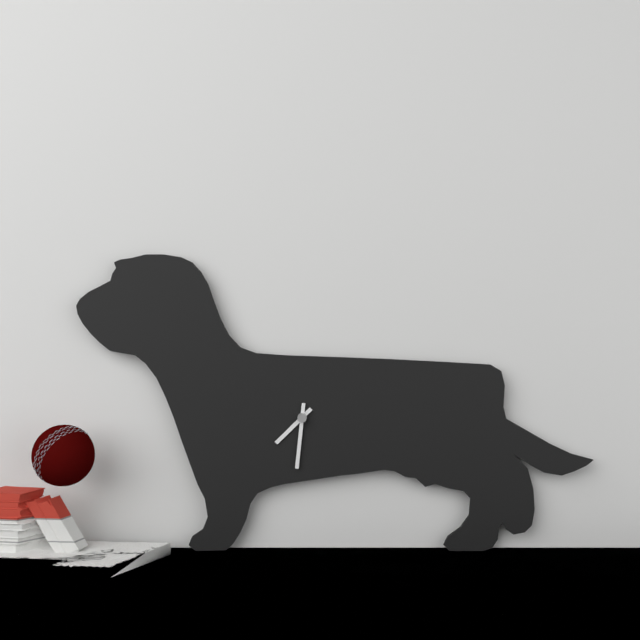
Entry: 7 h 31 min
